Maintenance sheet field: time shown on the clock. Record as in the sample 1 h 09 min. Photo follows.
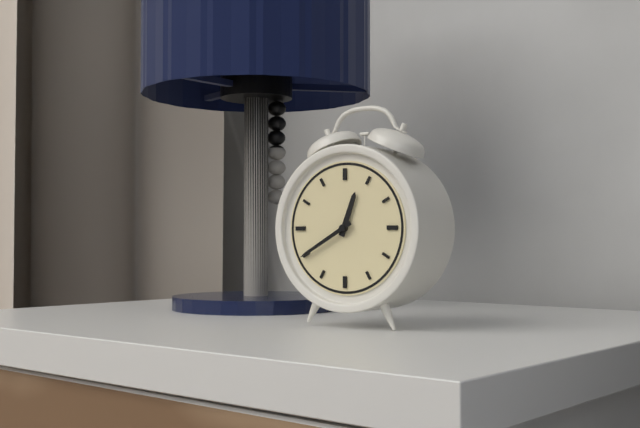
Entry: 12 h 40 min
